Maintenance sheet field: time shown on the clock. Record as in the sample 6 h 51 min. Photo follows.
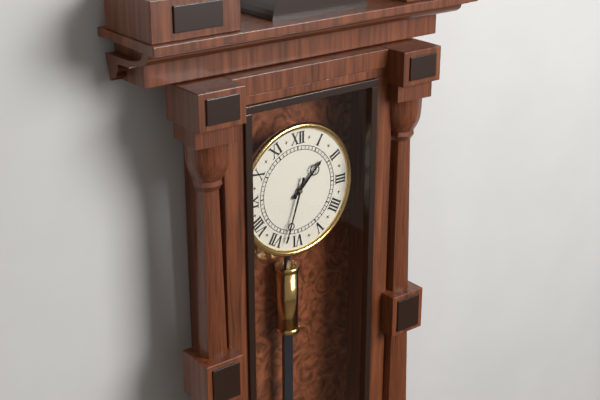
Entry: 1 h 33 min
